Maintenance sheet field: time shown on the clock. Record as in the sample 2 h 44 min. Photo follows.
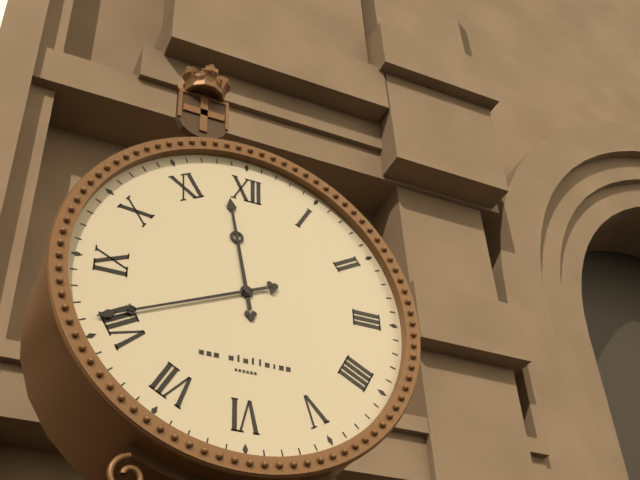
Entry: 11 h 41 min
